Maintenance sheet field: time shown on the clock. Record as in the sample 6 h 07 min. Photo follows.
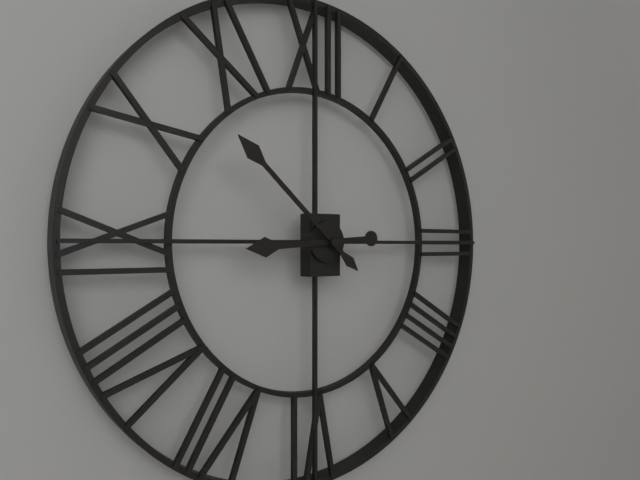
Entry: 8 h 52 min
